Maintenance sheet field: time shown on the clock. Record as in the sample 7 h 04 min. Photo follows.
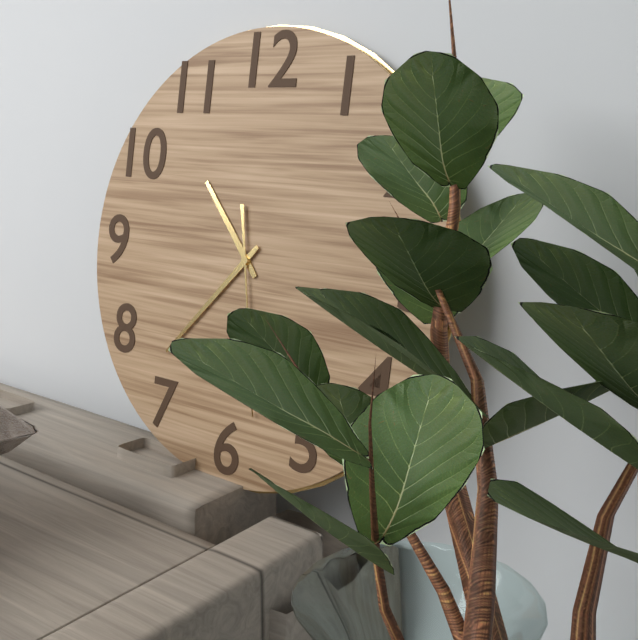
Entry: 10 h 37 min
